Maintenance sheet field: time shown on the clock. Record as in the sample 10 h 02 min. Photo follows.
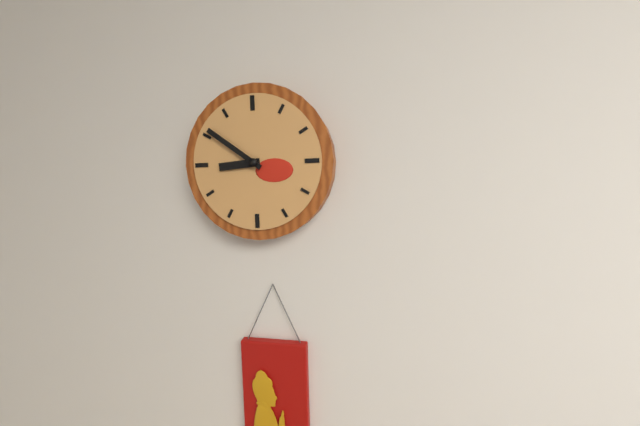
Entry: 8 h 51 min
